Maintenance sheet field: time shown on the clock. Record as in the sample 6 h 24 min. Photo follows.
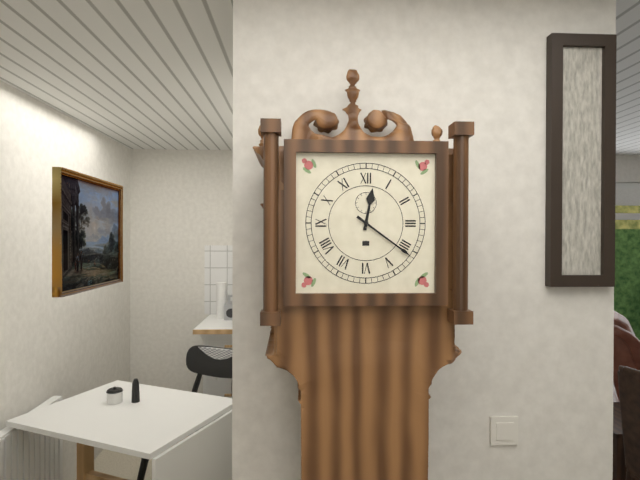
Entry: 12 h 21 min
